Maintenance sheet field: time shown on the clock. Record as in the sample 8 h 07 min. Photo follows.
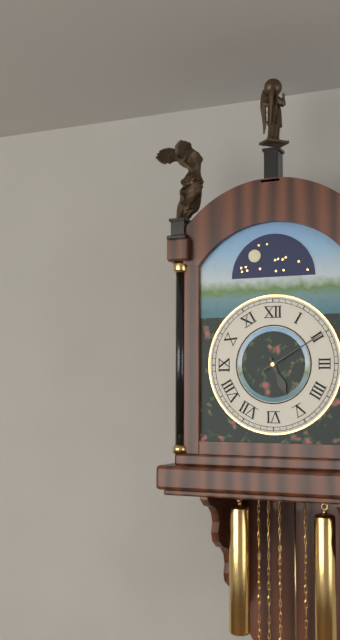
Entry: 5 h 10 min
